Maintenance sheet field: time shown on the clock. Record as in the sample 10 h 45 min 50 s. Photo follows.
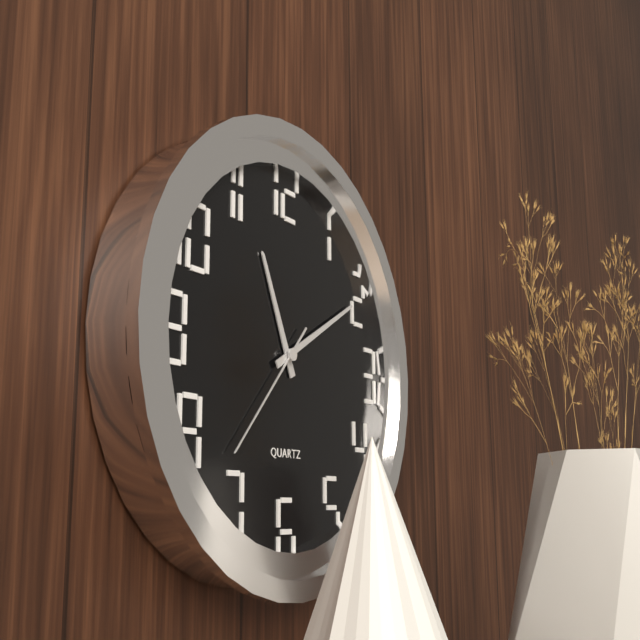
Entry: 11 h 10 min 37 s
